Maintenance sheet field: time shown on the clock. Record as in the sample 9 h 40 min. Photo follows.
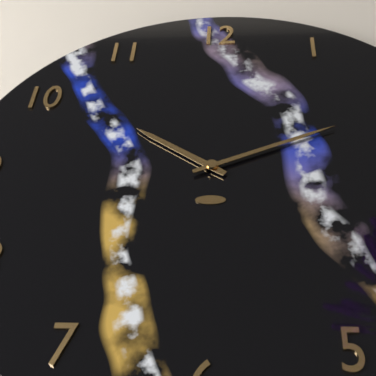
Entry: 10 h 11 min
